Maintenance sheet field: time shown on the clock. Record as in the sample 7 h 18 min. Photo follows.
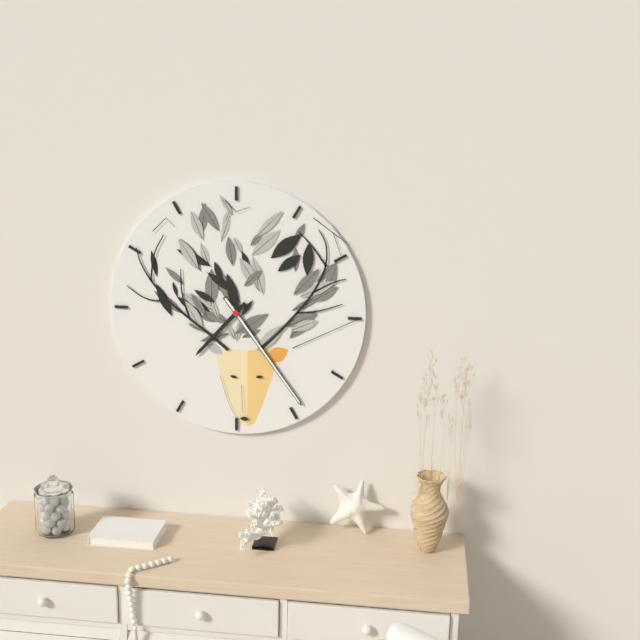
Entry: 7 h 24 min
